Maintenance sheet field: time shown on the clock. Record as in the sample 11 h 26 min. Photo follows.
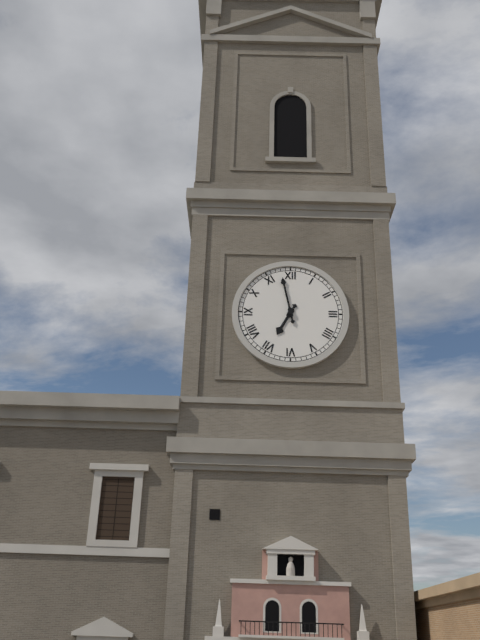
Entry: 6 h 58 min
